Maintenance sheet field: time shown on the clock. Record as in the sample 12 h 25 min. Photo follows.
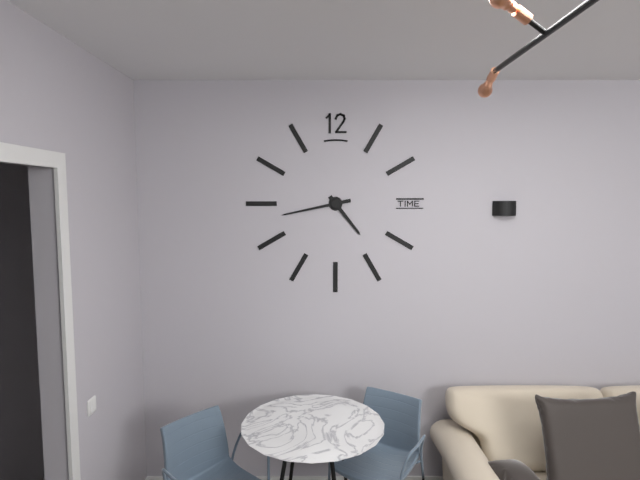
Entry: 4 h 43 min
